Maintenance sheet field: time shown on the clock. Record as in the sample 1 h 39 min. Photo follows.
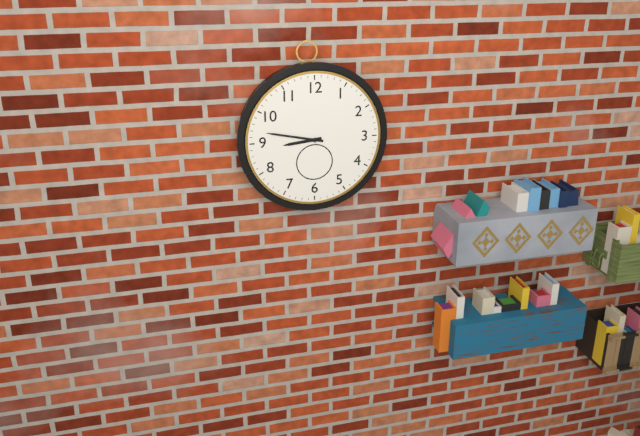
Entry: 8 h 47 min
